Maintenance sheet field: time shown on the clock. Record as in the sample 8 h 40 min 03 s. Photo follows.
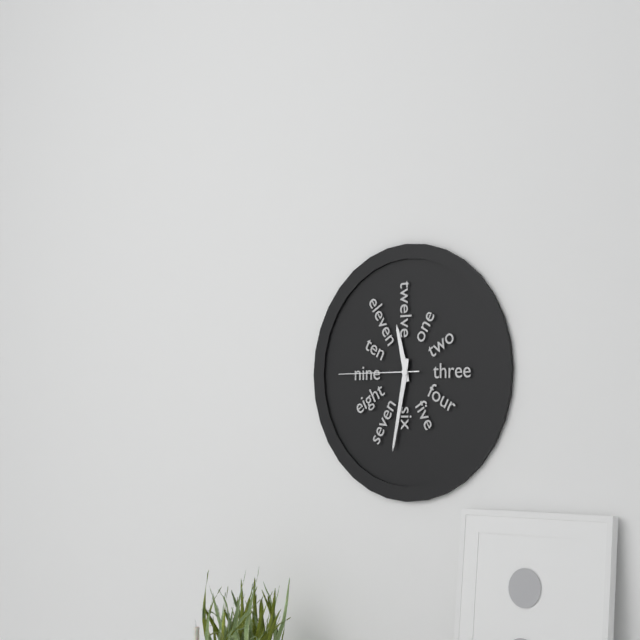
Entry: 11 h 32 min 45 s
